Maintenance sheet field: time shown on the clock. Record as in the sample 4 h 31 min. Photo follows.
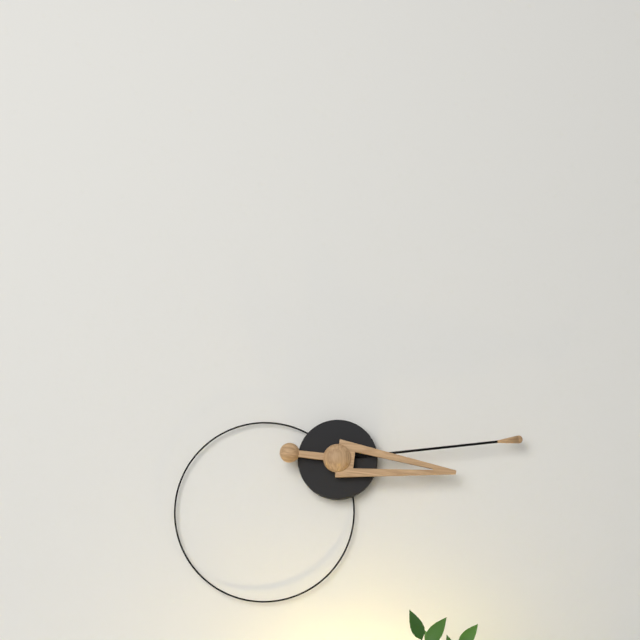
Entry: 3 h 14 min
